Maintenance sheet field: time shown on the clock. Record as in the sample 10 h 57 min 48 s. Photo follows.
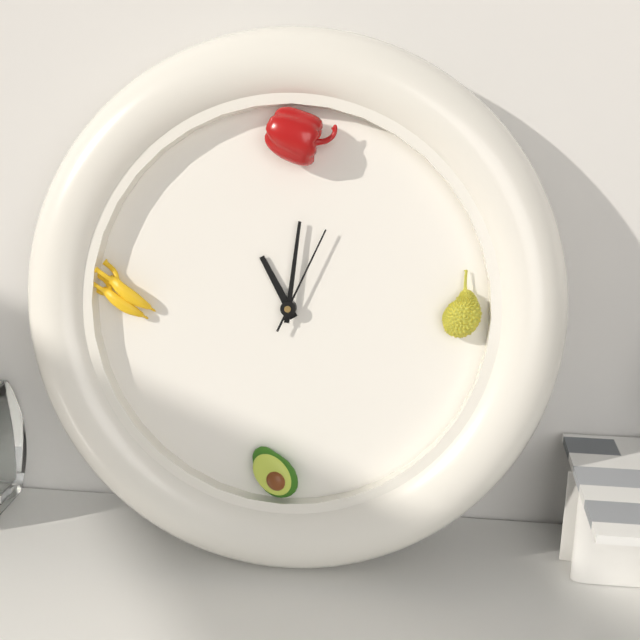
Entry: 11 h 01 min 04 s
